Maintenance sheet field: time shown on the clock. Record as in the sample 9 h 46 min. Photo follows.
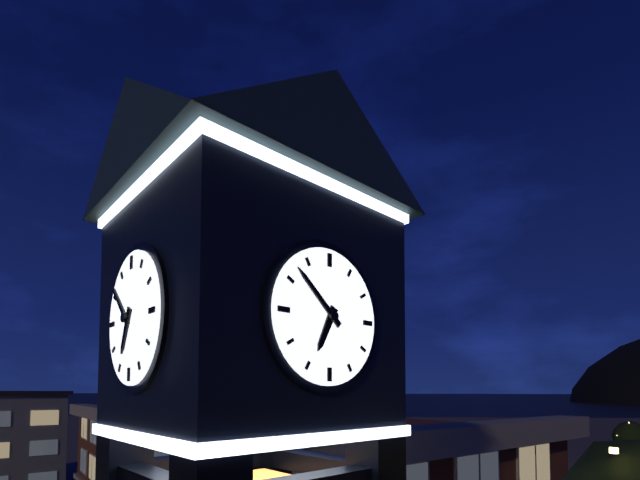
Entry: 6 h 52 min
